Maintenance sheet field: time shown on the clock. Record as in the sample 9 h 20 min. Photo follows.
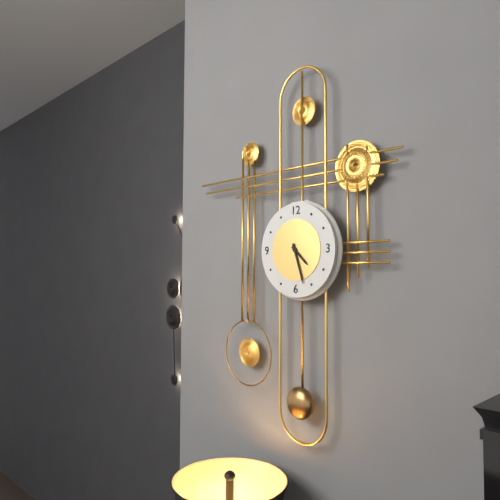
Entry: 4 h 27 min
